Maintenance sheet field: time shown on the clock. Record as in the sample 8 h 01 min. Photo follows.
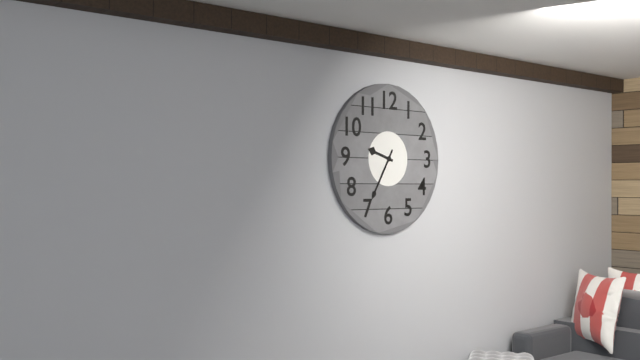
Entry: 9 h 35 min
